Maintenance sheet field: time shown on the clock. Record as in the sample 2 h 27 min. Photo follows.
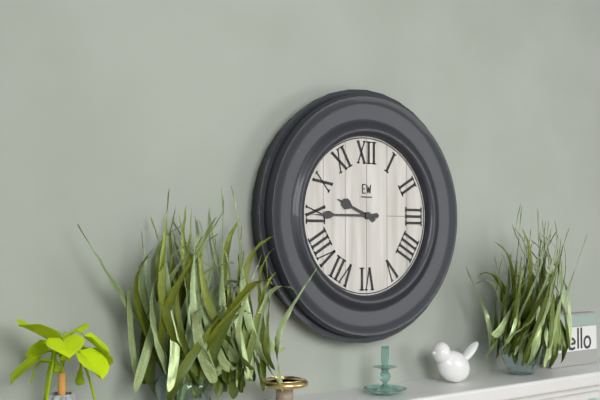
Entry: 9 h 45 min
